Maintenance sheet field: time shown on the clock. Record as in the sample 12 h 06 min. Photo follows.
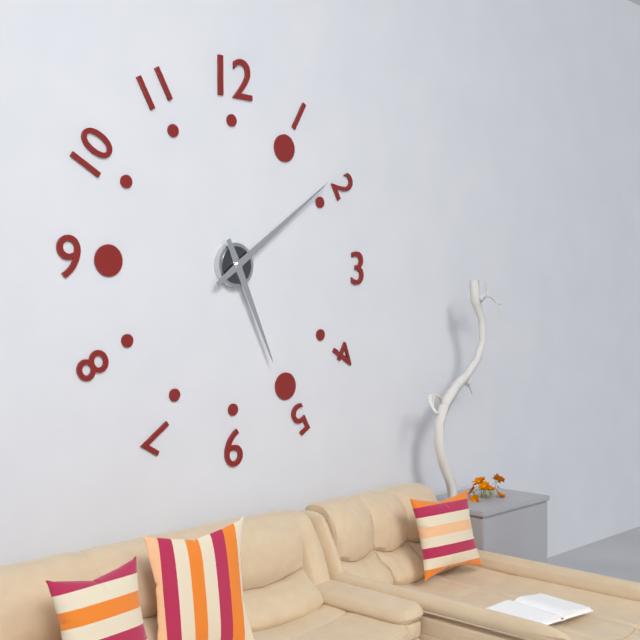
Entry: 5 h 09 min
